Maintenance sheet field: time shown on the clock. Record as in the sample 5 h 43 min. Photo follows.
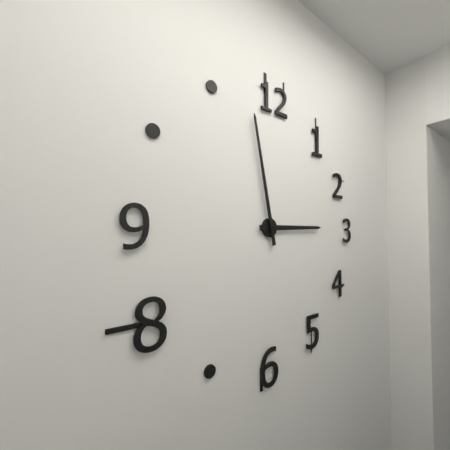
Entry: 2 h 58 min
